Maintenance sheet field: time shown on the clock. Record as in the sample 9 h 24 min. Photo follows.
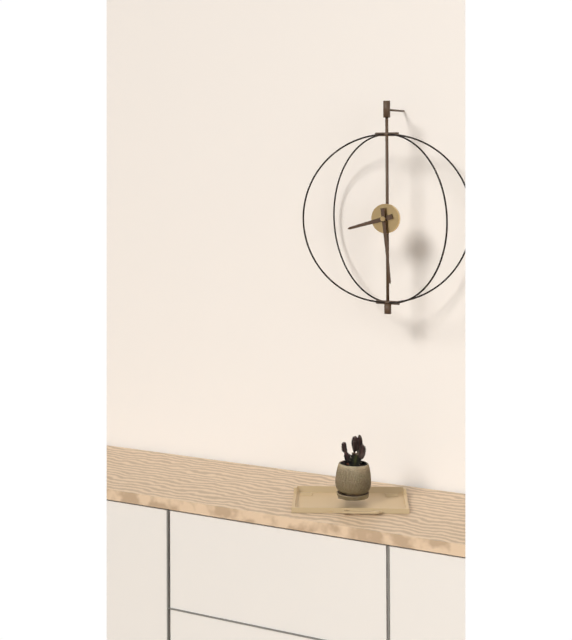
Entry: 8 h 29 min
